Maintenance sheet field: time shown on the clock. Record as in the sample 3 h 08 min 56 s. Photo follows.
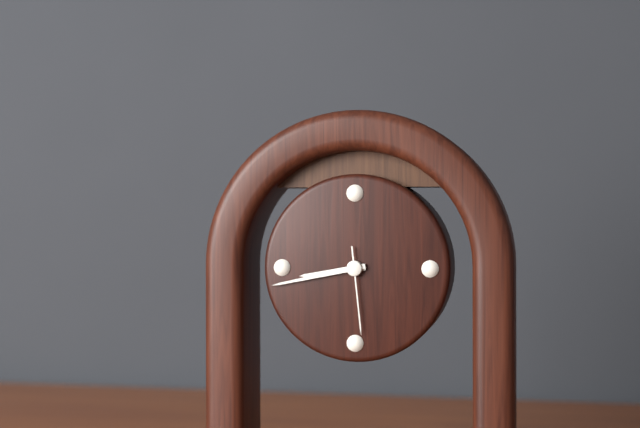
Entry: 8 h 43 min 29 s
